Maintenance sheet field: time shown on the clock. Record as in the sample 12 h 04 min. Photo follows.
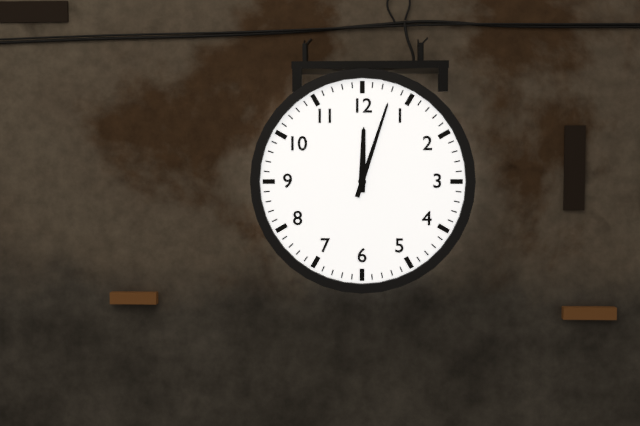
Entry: 12 h 03 min
